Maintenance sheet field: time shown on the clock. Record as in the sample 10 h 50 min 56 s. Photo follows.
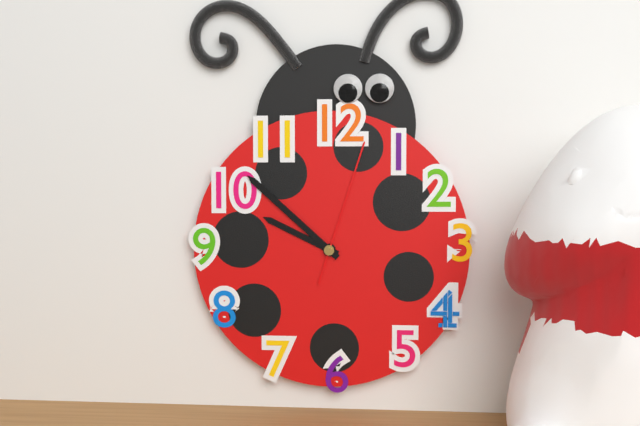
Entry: 9 h 52 min 03 s
